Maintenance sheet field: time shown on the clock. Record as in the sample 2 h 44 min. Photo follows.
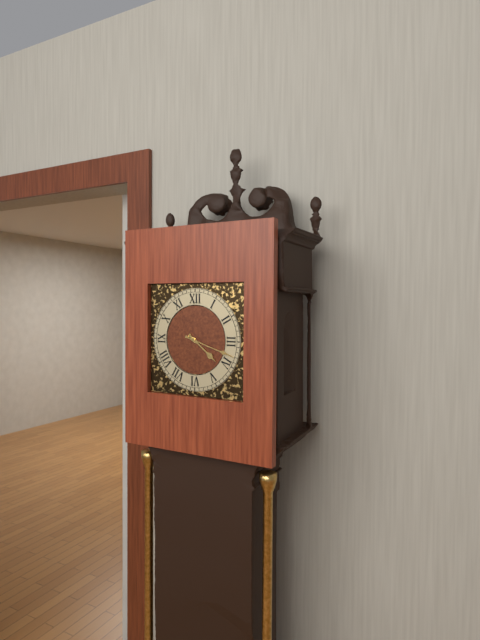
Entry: 4 h 18 min
